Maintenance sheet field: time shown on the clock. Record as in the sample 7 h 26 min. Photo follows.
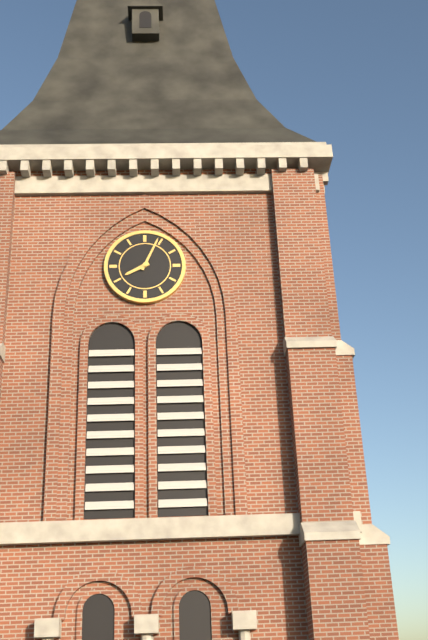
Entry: 8 h 04 min
